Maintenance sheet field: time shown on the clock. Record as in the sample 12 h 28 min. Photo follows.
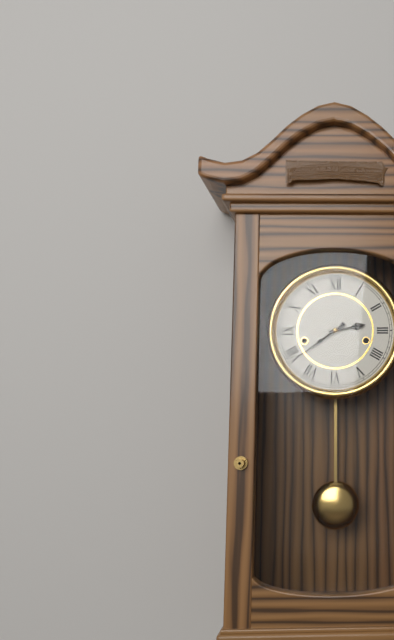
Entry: 2 h 39 min
